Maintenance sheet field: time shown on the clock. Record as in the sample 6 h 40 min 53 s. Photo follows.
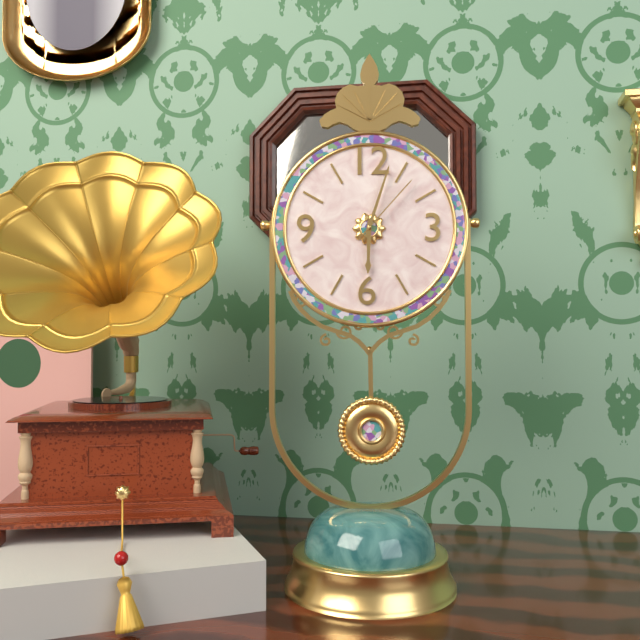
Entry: 6 h 03 min 07 s
